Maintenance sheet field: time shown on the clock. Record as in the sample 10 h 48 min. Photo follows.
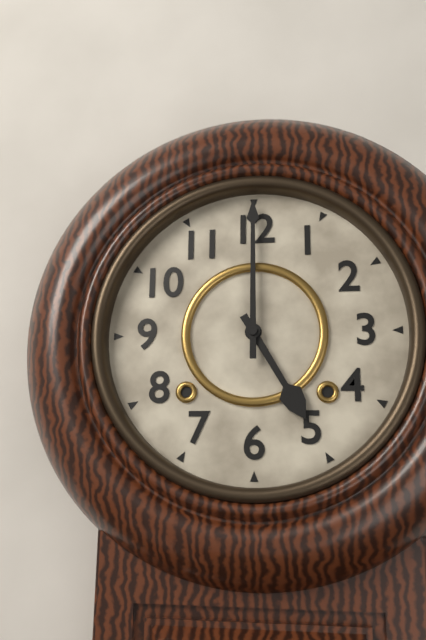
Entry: 5 h 00 min
